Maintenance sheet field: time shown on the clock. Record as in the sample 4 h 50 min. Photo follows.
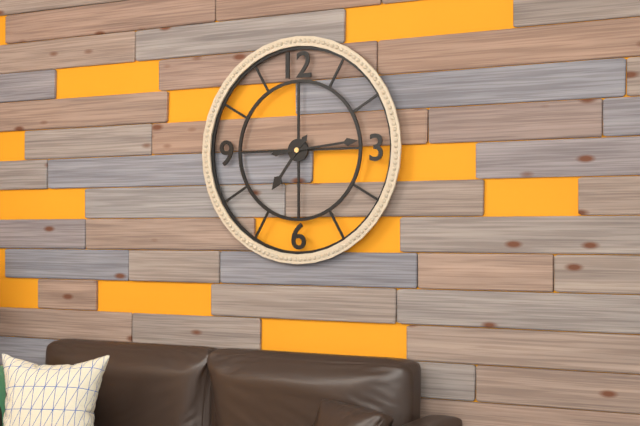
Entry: 7 h 14 min
